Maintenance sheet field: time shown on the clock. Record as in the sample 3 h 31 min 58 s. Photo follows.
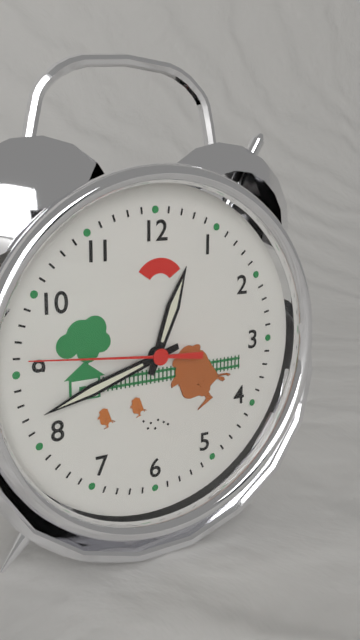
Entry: 12 h 42 min 46 s
